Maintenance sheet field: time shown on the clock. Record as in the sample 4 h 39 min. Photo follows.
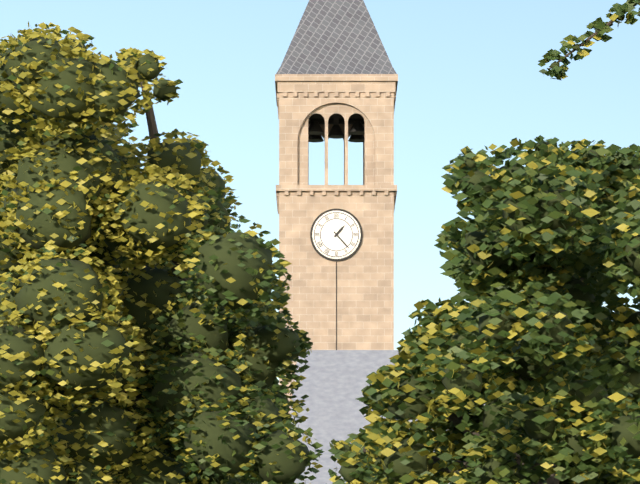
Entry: 1 h 23 min
